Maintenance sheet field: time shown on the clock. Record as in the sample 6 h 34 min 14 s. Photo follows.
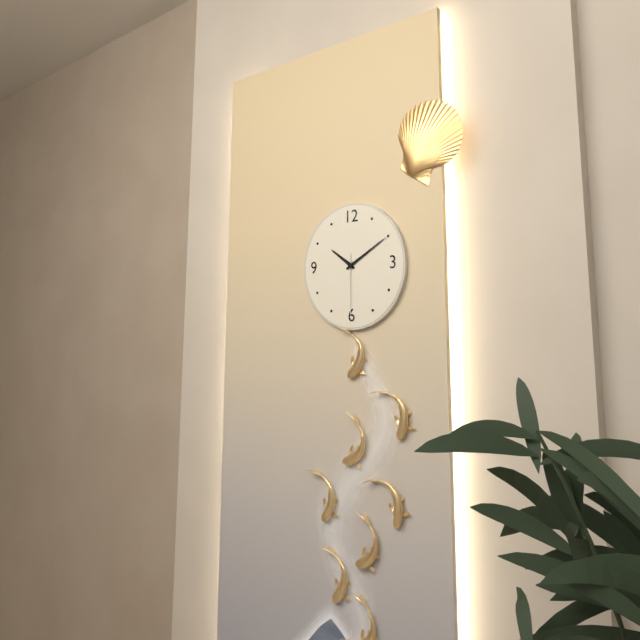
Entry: 10 h 10 min 30 s
